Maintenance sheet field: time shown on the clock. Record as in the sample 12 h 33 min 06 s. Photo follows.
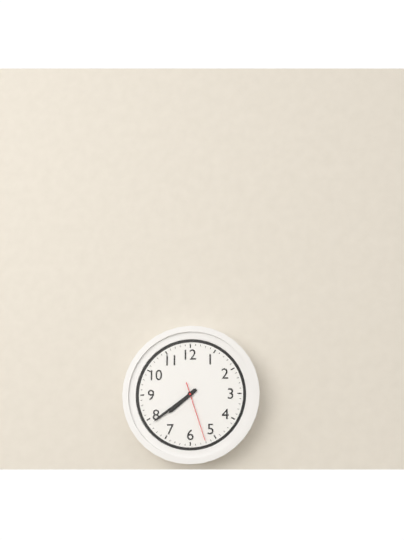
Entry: 7 h 39 min 27 s
